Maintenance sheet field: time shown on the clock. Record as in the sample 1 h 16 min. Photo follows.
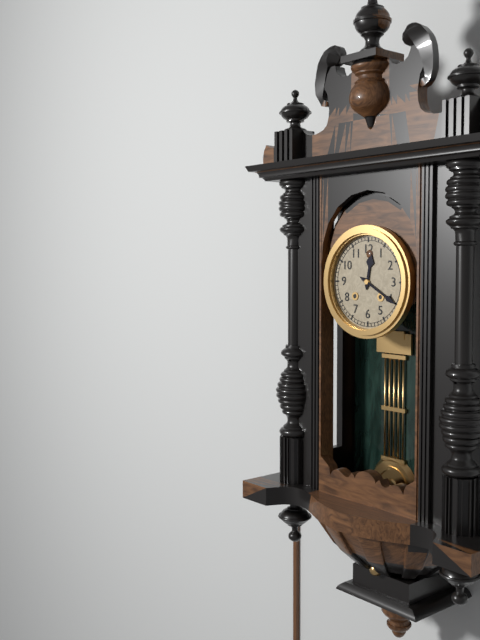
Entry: 12 h 20 min
